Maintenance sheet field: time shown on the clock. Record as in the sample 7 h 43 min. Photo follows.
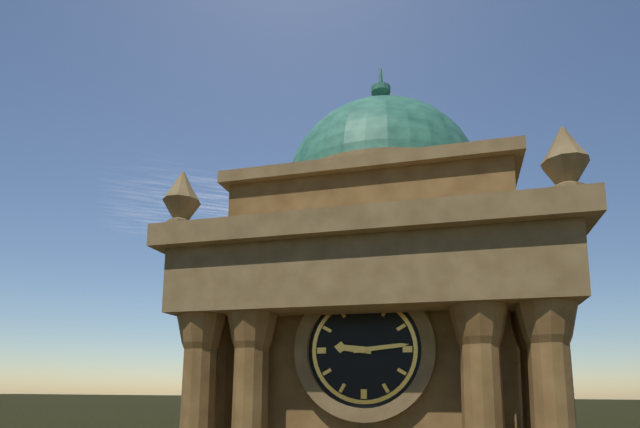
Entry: 9 h 14 min
